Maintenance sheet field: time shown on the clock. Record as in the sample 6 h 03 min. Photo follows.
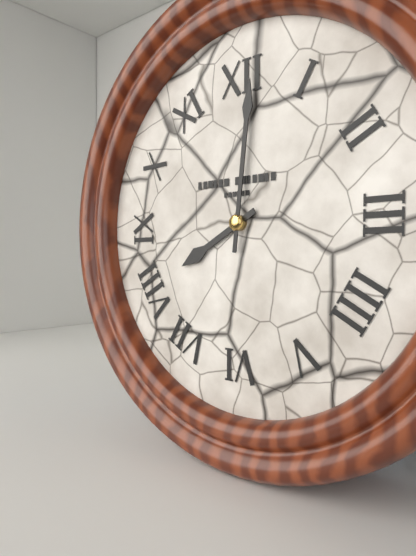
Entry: 8 h 01 min
